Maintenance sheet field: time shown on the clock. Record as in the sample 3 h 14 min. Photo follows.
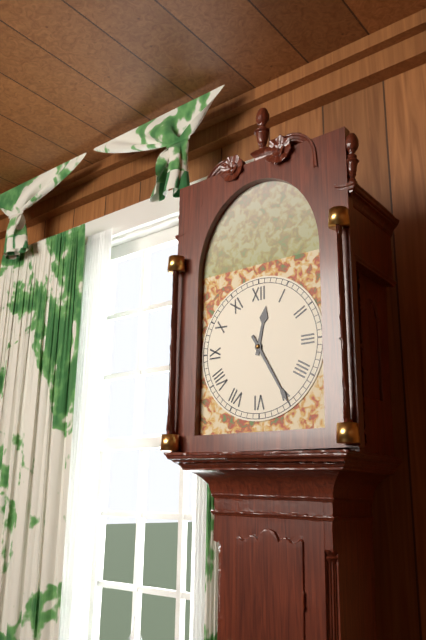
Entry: 12 h 25 min
